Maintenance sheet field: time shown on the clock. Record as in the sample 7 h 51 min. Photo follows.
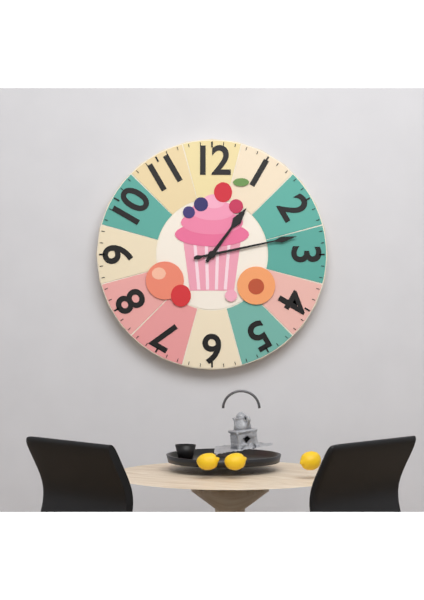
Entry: 1 h 13 min
